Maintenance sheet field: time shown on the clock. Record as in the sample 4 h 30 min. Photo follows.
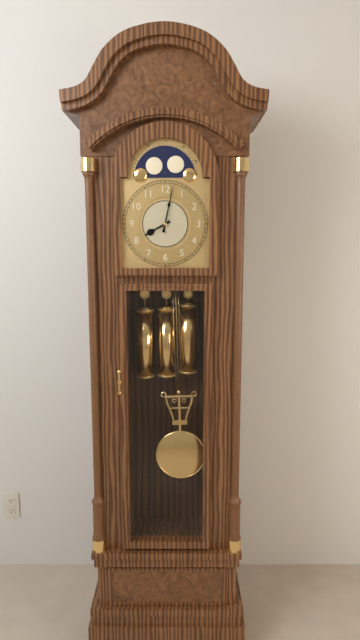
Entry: 8 h 02 min
